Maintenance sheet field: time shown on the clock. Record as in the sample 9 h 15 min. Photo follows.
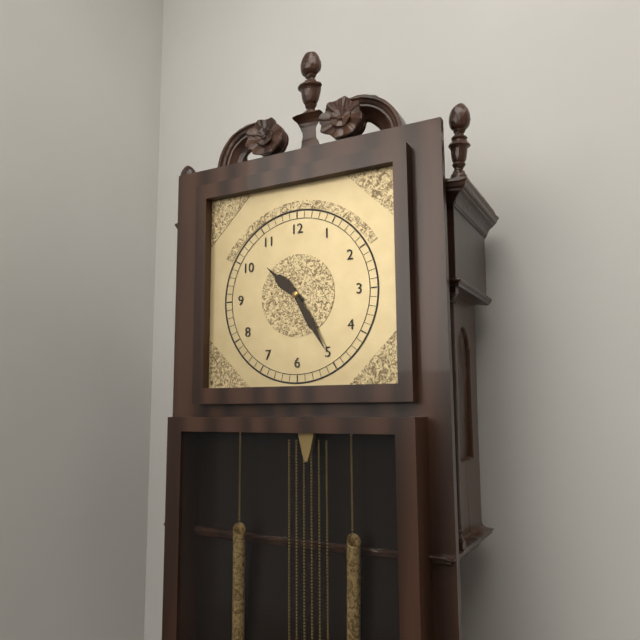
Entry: 10 h 25 min
